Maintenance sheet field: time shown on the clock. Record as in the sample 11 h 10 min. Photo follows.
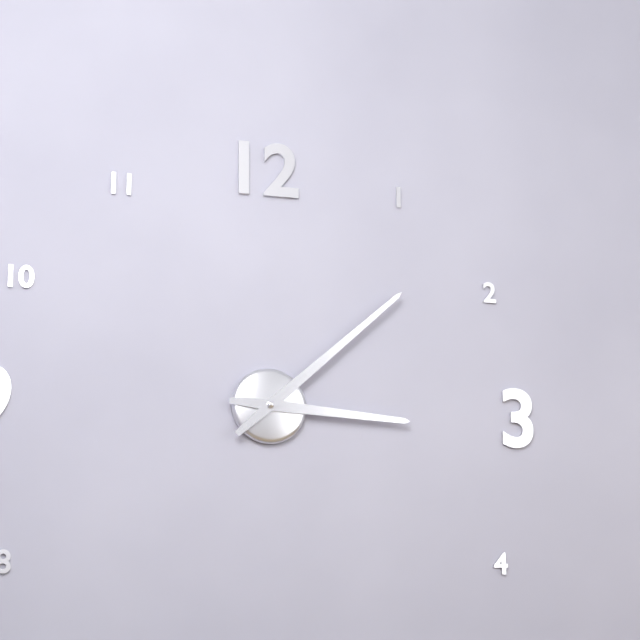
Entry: 3 h 08 min
